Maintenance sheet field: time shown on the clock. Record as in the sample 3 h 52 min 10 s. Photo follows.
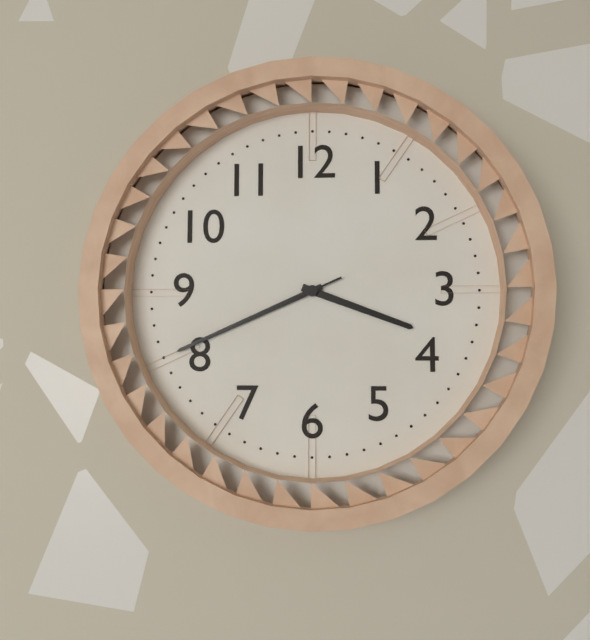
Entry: 3 h 41 min 41 s
